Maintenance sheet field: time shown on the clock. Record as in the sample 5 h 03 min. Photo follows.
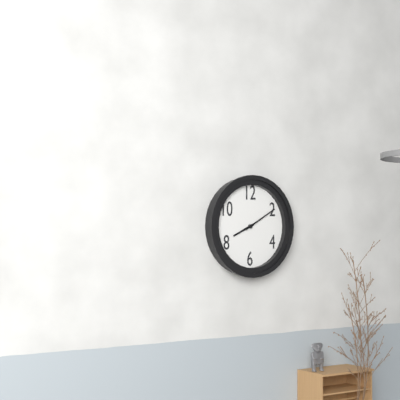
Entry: 8 h 10 min
